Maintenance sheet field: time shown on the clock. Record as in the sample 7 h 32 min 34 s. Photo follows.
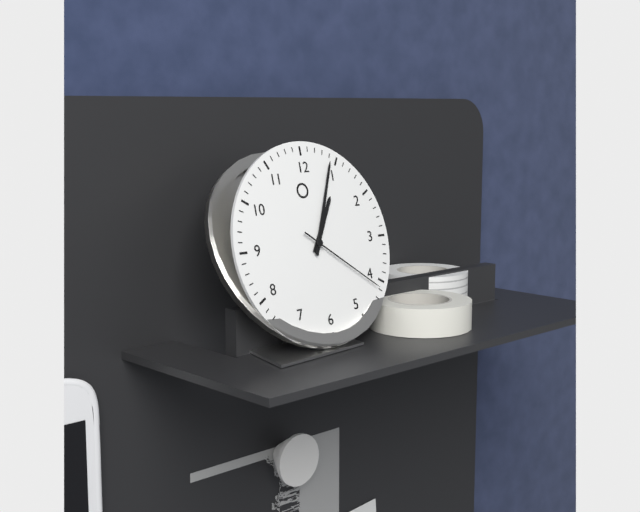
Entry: 1 h 04 min 21 s
